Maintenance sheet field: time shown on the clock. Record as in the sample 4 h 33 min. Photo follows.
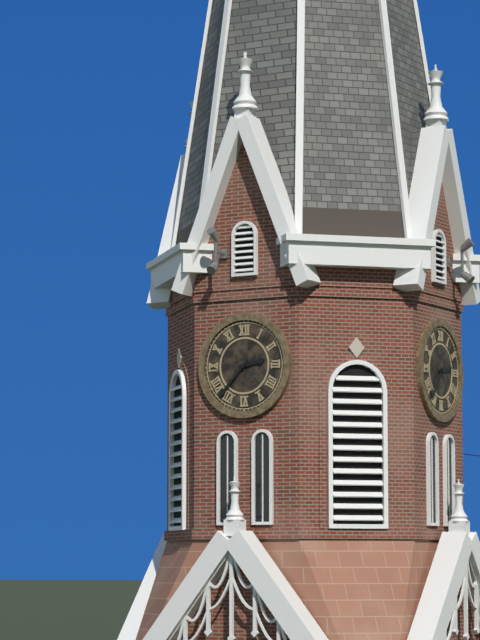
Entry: 2 h 37 min
